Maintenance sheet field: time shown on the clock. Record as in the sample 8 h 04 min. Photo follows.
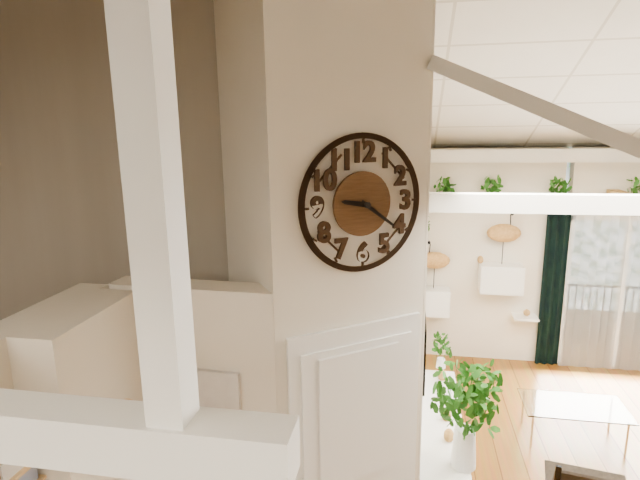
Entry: 9 h 21 min
